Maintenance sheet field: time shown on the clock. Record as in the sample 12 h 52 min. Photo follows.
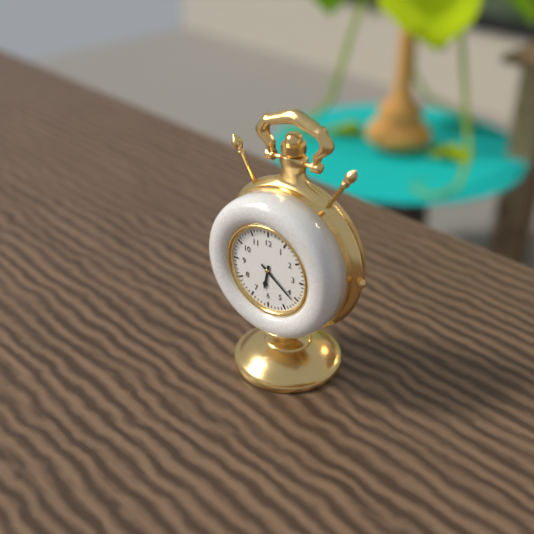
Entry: 6 h 21 min
